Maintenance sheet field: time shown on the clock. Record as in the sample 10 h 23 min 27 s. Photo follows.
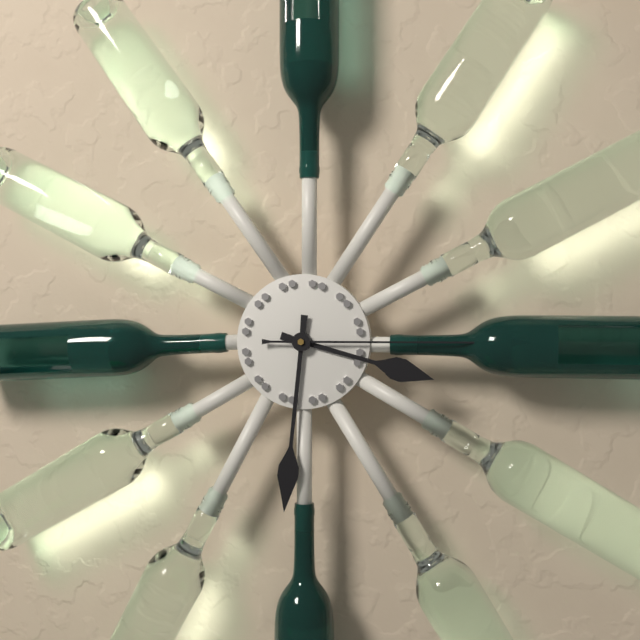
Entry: 3 h 31 min 15 s
